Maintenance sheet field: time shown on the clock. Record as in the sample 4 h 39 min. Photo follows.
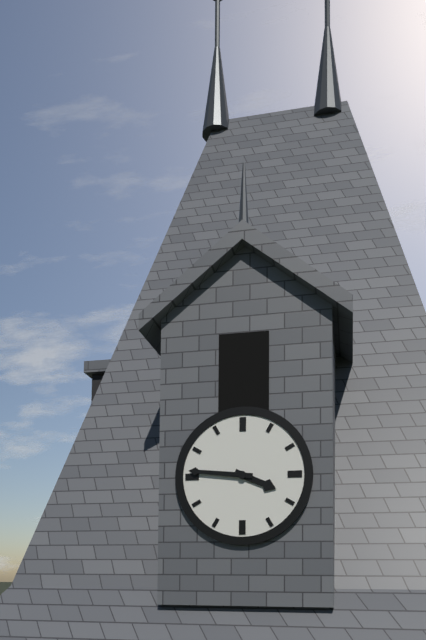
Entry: 3 h 46 min
